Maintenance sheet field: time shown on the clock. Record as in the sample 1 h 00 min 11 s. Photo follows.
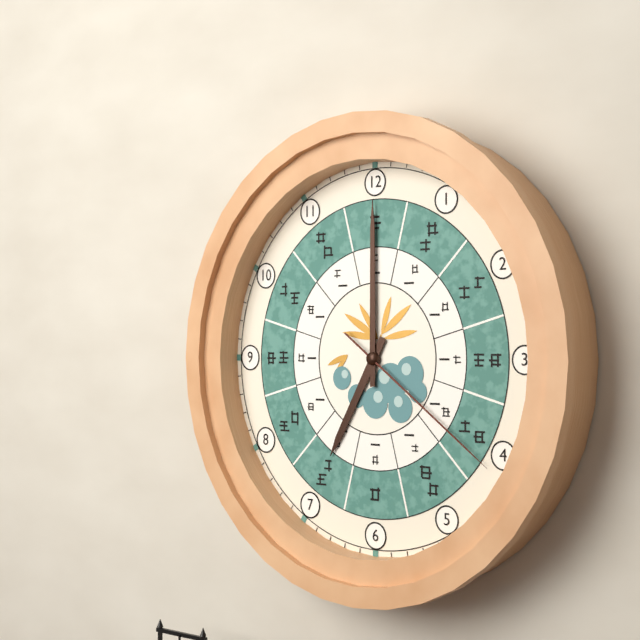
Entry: 7 h 00 min 21 s
